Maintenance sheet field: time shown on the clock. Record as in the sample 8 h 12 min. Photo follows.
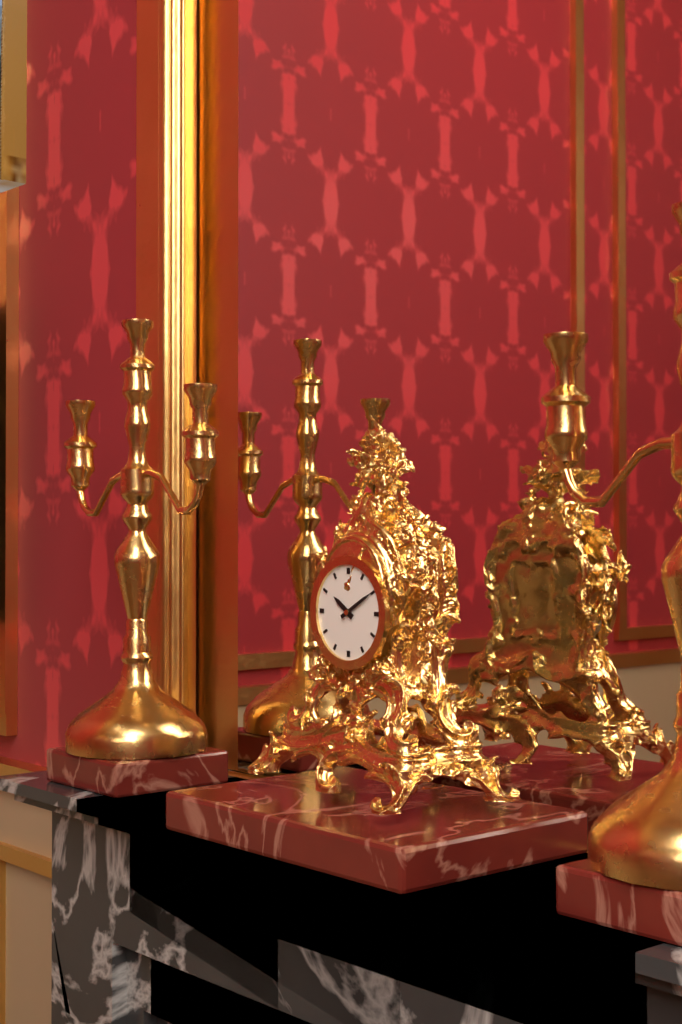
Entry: 10 h 10 min
